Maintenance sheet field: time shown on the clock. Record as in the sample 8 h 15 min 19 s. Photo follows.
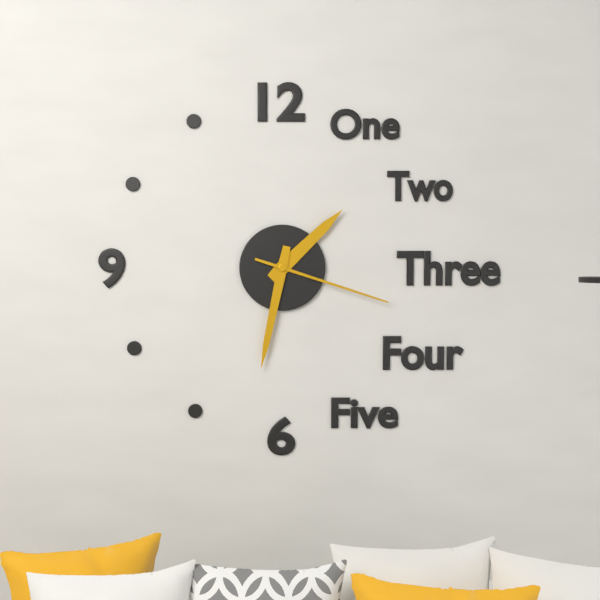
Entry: 1 h 32 min 18 s
